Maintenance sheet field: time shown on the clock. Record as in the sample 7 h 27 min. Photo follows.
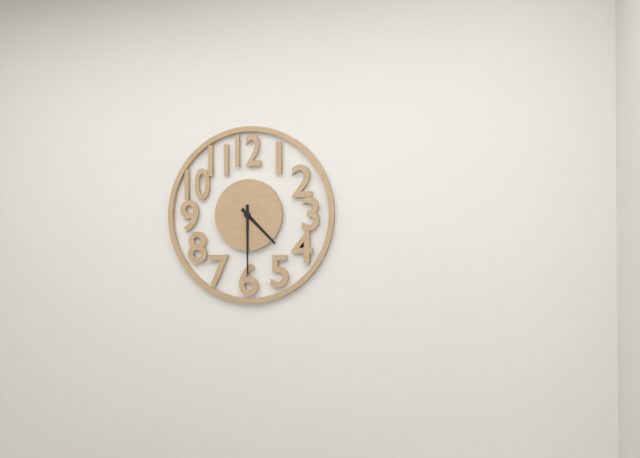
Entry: 4 h 30 min
